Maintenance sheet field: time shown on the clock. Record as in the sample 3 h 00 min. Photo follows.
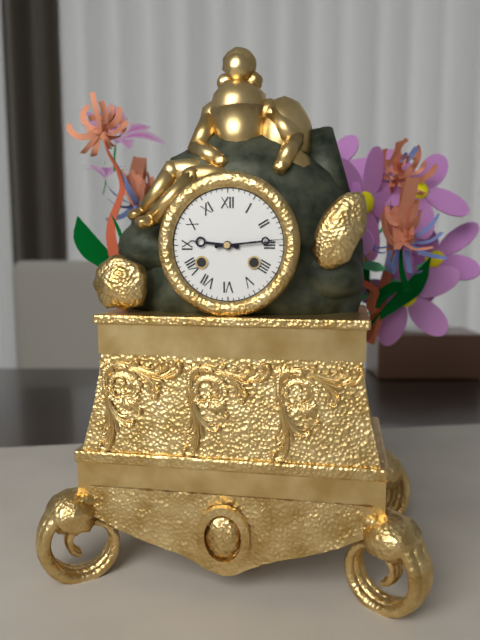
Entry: 9 h 14 min
